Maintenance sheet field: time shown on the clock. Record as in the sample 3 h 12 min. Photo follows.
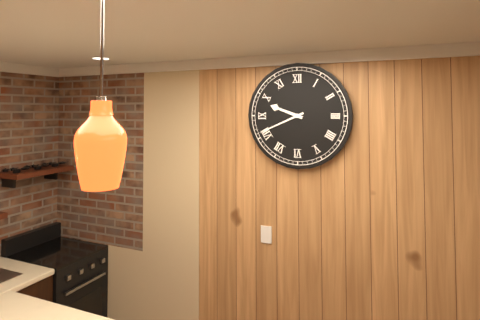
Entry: 9 h 41 min
